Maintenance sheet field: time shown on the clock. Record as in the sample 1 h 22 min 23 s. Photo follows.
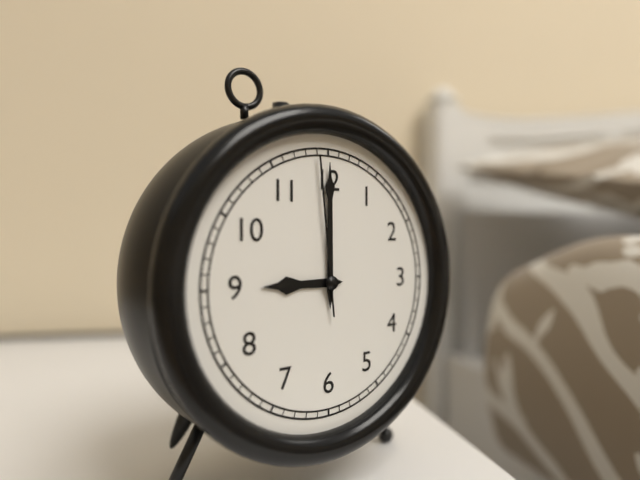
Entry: 9 h 00 min 59 s
